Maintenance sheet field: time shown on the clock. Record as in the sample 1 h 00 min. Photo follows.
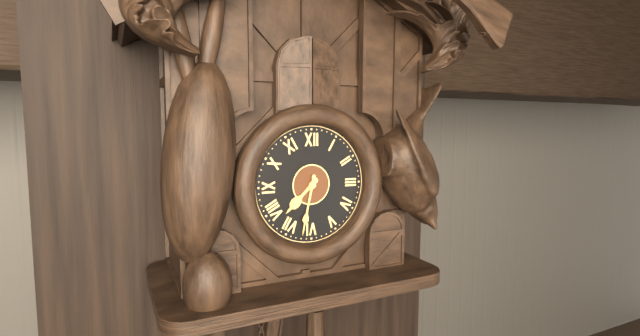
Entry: 7 h 32 min
